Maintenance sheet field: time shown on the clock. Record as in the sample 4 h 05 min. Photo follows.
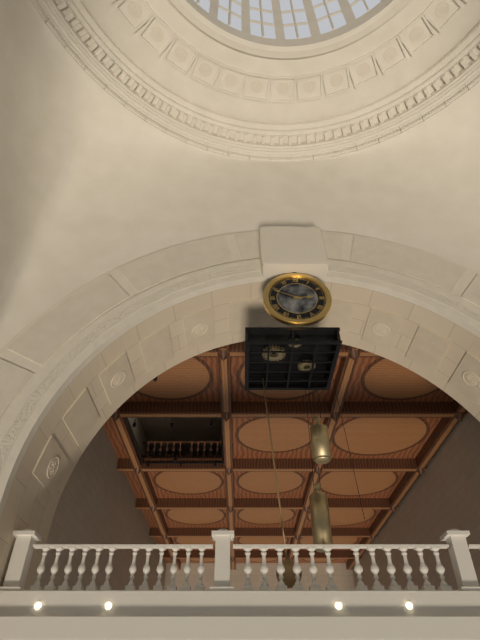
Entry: 2 h 49 min
